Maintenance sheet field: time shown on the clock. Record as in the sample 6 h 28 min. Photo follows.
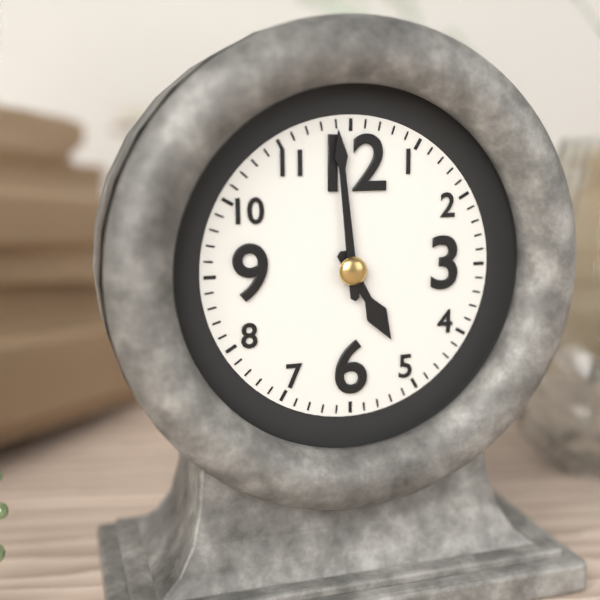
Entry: 4 h 59 min
